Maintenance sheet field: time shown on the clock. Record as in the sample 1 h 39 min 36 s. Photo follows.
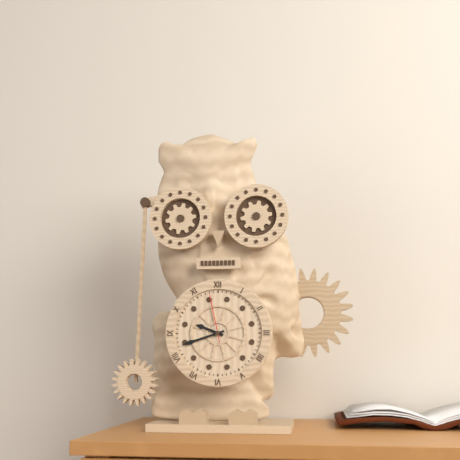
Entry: 9 h 42 min 58 s
